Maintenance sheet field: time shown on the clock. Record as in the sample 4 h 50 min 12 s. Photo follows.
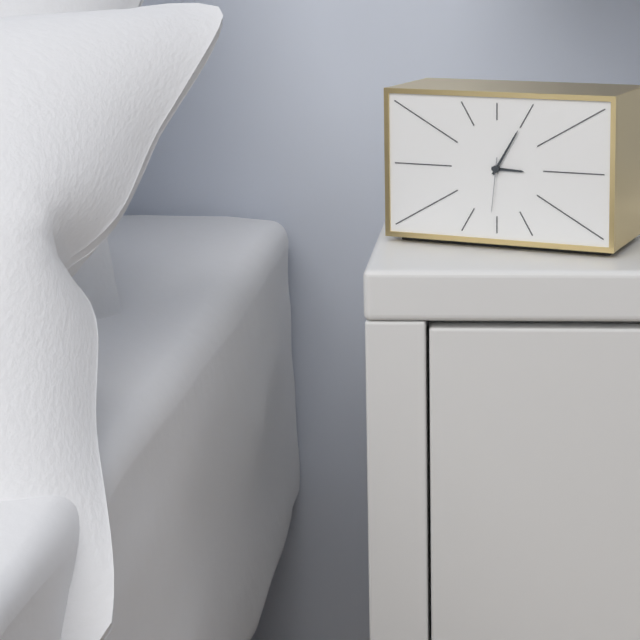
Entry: 3 h 05 min 31 s
